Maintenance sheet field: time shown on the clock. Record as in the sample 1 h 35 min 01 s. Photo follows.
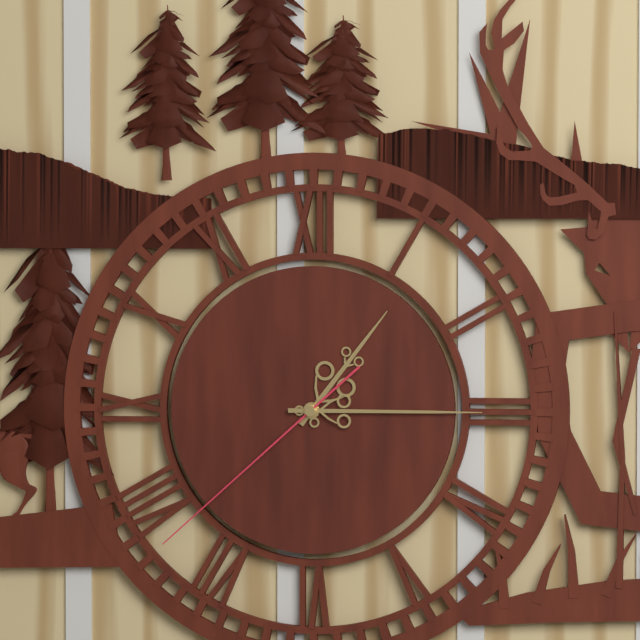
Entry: 1 h 15 min 38 s
